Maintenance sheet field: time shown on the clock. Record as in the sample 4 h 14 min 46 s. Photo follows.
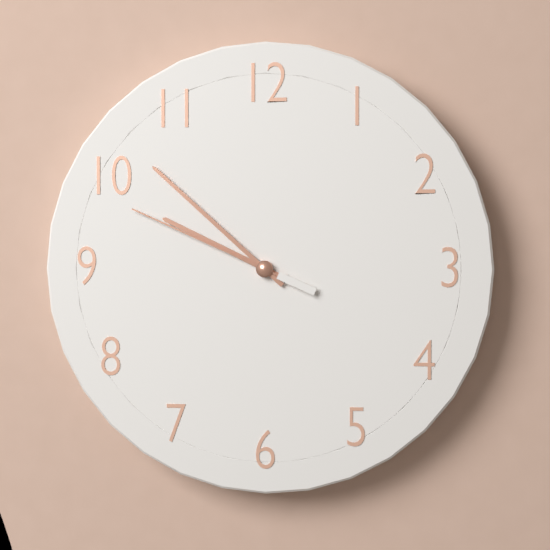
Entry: 9 h 52 min 49 s
